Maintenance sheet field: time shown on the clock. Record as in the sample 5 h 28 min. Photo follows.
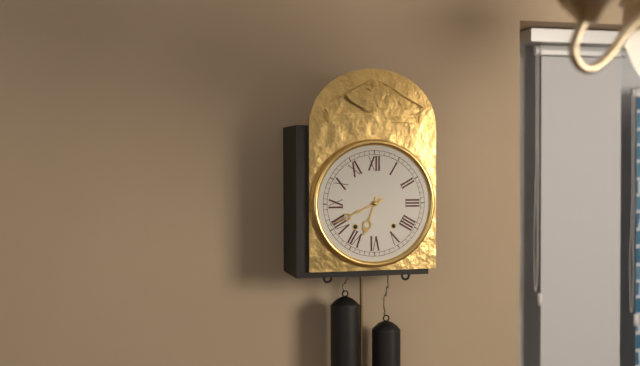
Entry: 6 h 41 min
